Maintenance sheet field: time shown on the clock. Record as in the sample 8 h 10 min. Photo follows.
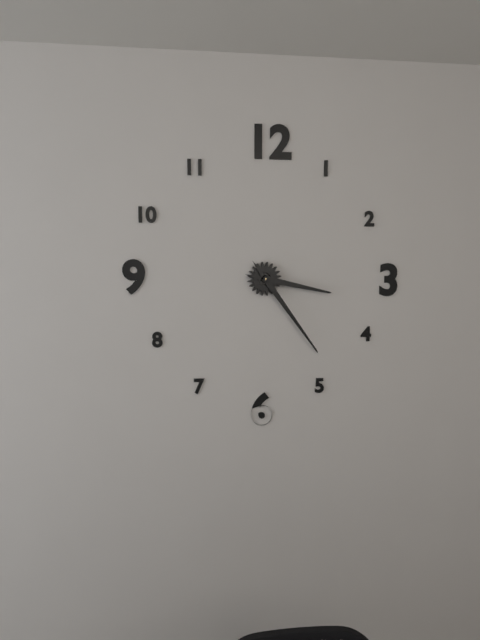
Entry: 3 h 24 min
